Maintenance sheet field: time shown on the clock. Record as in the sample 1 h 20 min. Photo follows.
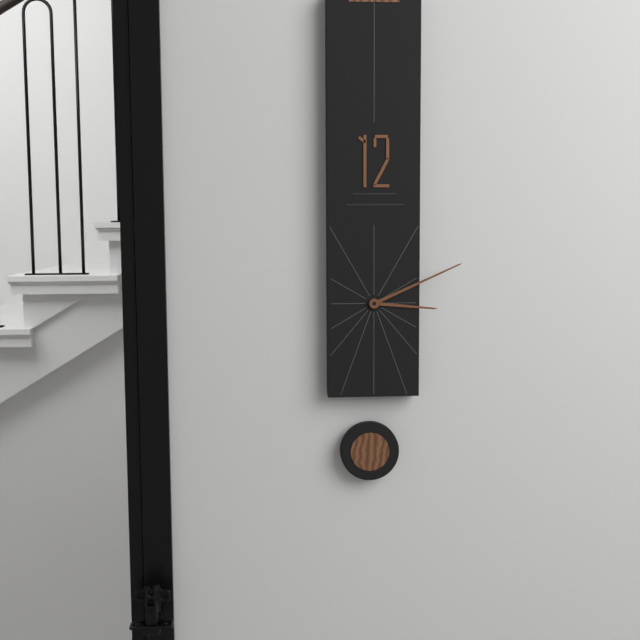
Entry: 3 h 11 min
